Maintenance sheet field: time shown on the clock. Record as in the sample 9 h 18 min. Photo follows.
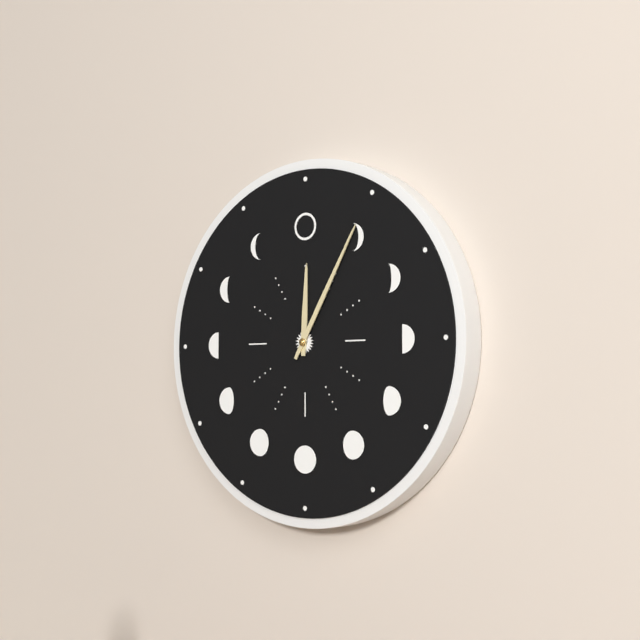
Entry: 12 h 05 min
